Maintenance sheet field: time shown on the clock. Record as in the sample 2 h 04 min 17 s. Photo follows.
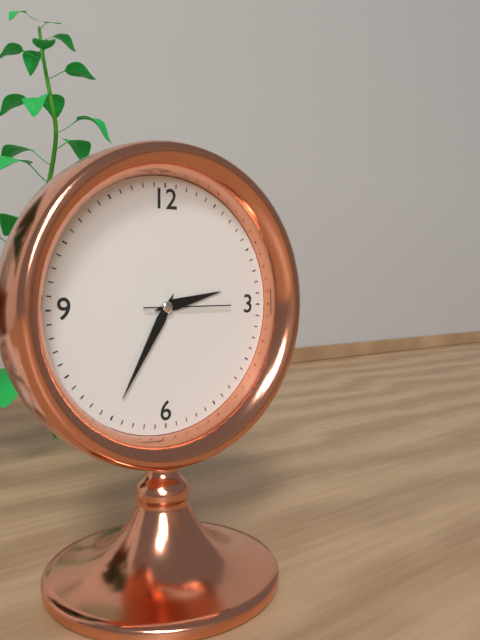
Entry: 2 h 35 min 15 s
